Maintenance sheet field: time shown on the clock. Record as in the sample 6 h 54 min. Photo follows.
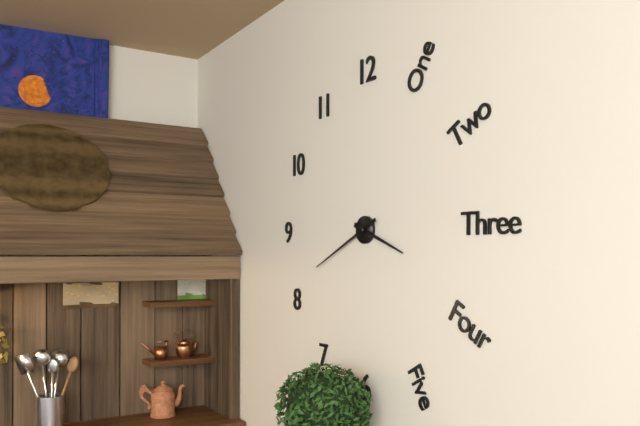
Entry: 3 h 41 min
